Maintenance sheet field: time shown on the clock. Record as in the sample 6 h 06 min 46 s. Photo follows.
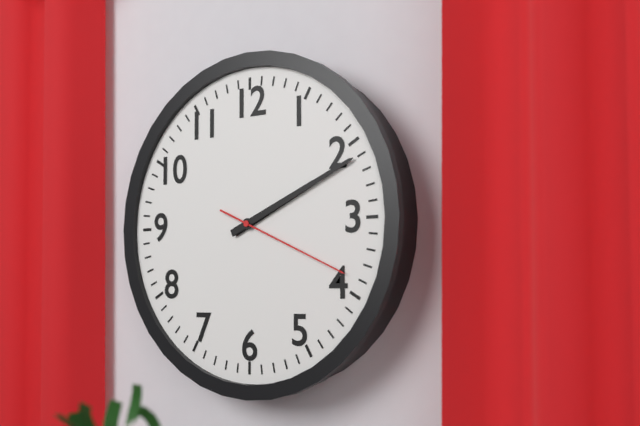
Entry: 2 h 11 min 19 s
